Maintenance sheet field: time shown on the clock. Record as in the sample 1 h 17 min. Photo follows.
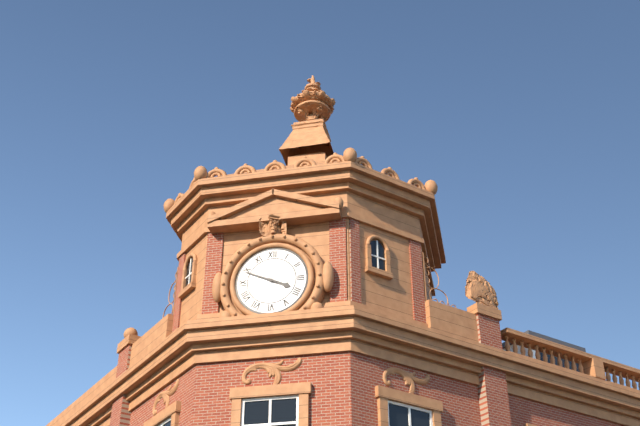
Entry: 3 h 49 min
